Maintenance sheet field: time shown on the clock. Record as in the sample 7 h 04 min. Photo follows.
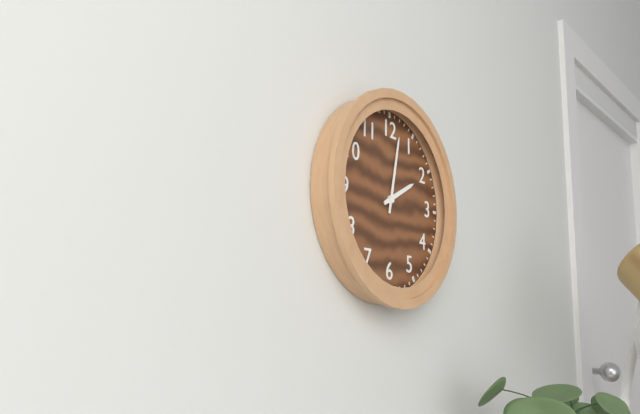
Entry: 2 h 02 min
